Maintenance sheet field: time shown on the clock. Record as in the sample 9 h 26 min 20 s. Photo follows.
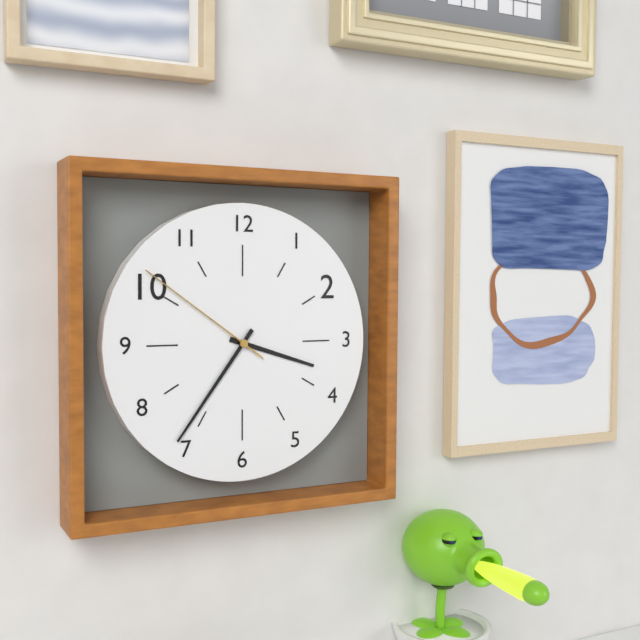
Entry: 3 h 36 min 51 s
